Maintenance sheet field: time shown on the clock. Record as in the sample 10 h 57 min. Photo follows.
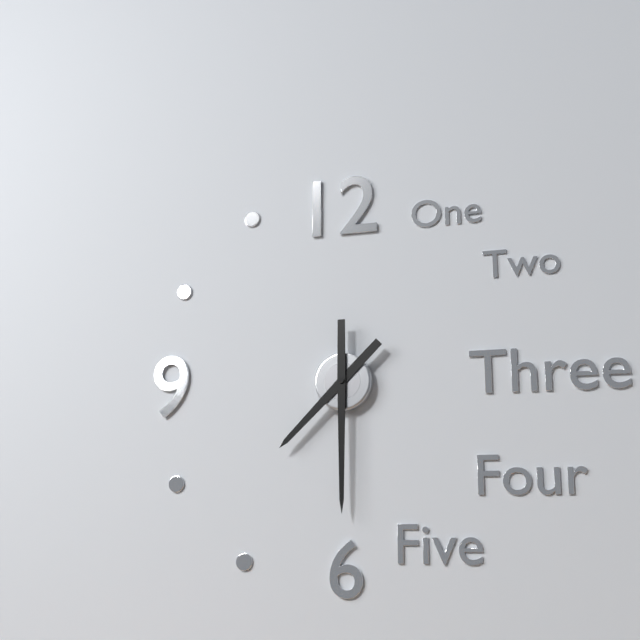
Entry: 7 h 30 min
